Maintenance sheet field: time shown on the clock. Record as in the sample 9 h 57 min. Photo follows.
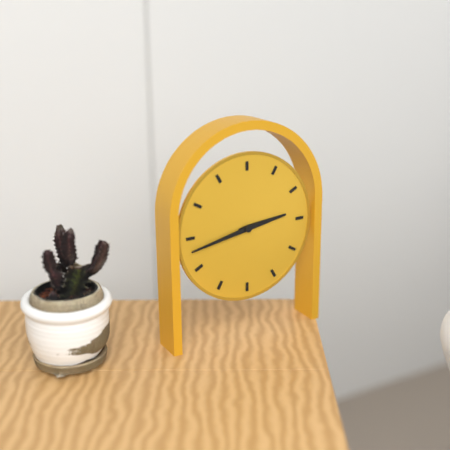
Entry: 2 h 43 min
